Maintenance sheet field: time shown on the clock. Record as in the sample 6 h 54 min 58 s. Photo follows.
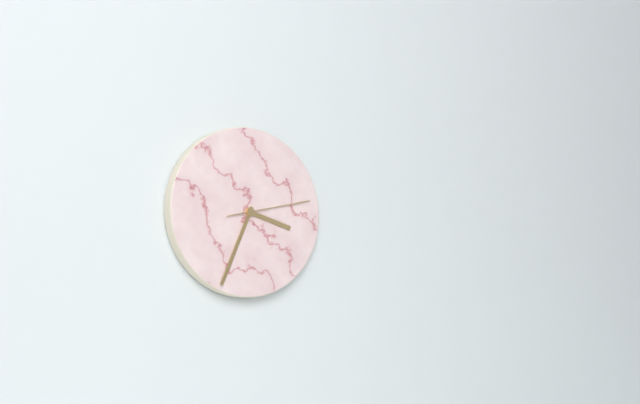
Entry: 3 h 34 min 13 s
